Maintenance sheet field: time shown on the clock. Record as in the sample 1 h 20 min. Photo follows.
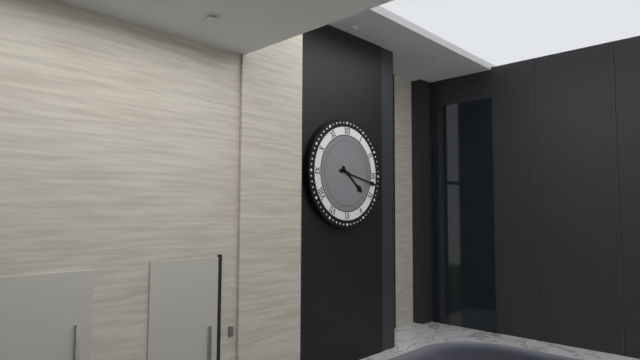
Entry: 4 h 17 min
